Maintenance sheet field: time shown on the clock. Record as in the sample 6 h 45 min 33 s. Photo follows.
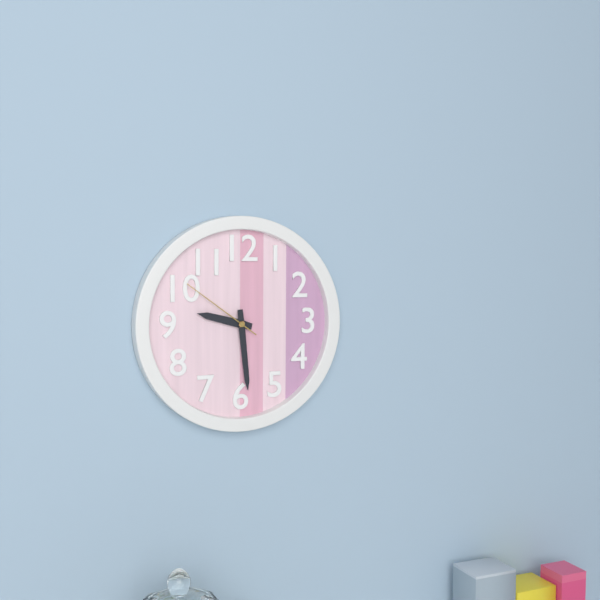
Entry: 9 h 29 min 51 s
